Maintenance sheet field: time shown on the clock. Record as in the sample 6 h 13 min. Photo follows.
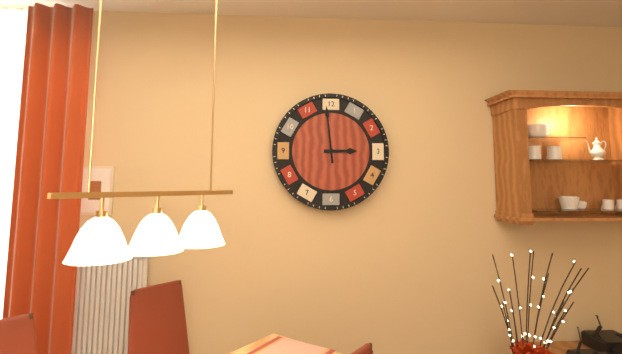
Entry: 2 h 59 min
